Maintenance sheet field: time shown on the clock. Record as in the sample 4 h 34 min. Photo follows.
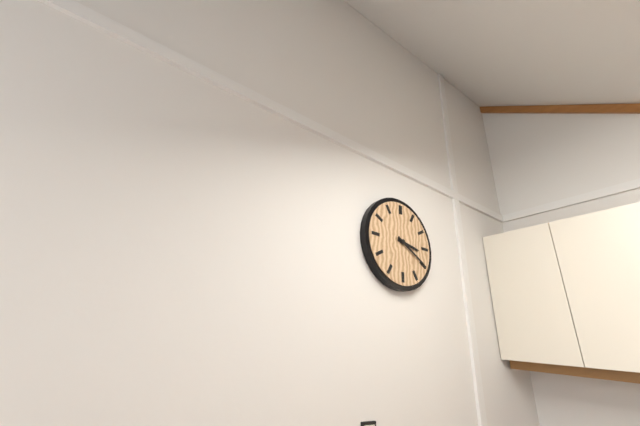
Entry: 3 h 20 min
